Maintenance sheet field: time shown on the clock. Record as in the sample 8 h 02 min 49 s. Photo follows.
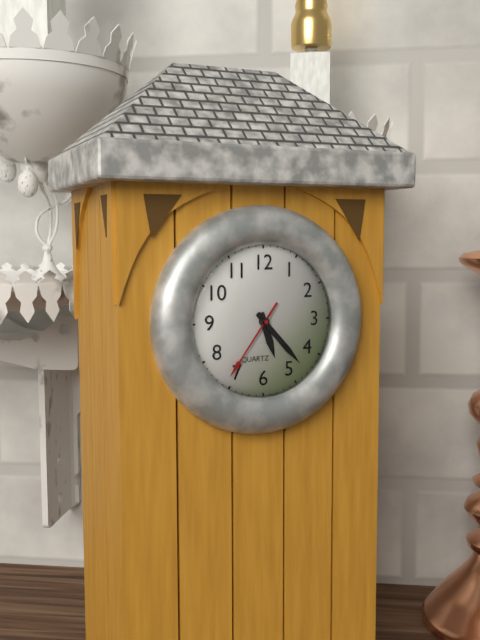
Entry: 5 h 23 min 36 s
